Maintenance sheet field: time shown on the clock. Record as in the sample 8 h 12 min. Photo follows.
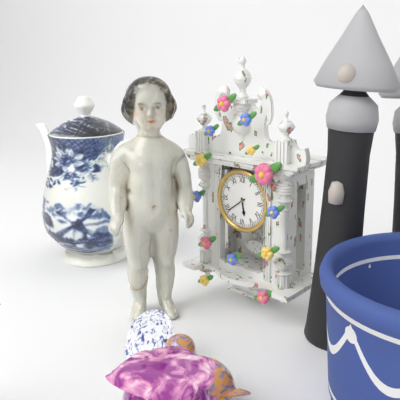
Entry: 5 h 39 min
